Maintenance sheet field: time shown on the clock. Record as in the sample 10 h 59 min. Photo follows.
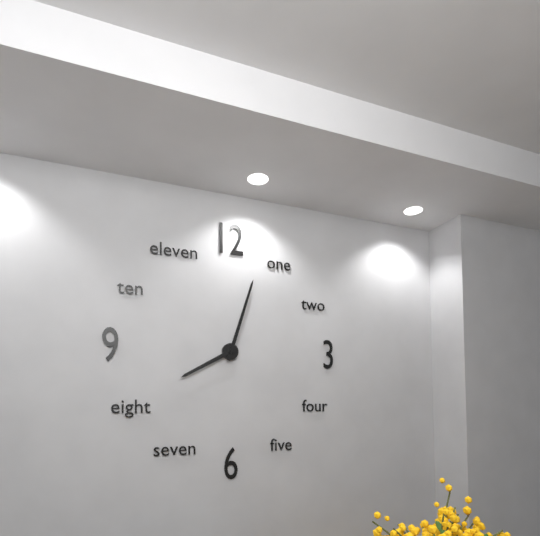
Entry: 8 h 03 min
